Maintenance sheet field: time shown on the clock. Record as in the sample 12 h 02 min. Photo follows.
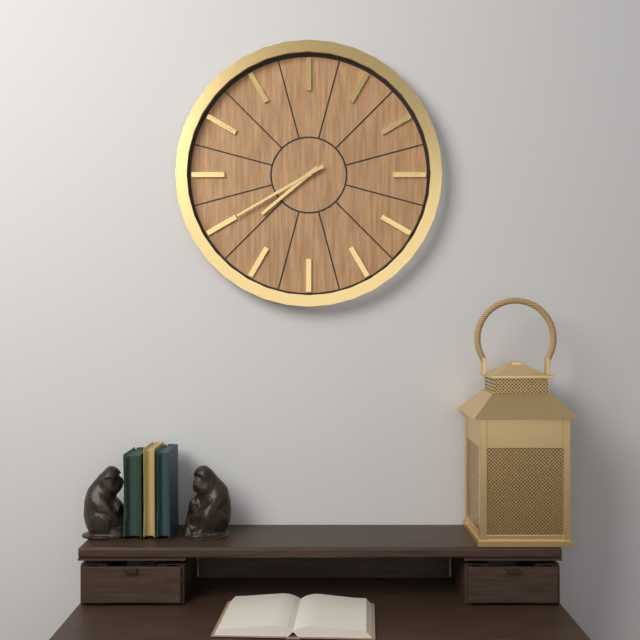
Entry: 7 h 40 min
